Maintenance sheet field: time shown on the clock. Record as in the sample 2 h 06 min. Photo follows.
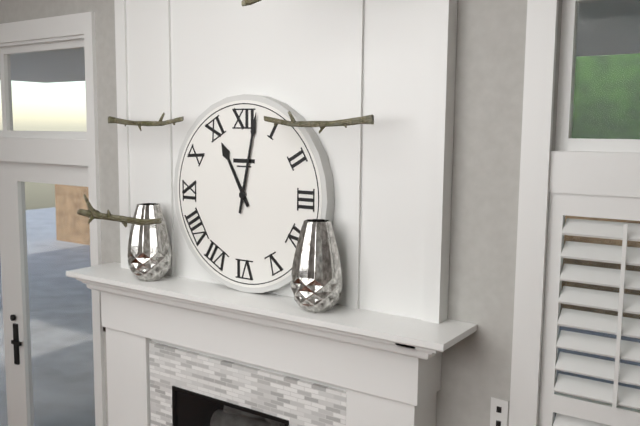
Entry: 11 h 02 min
